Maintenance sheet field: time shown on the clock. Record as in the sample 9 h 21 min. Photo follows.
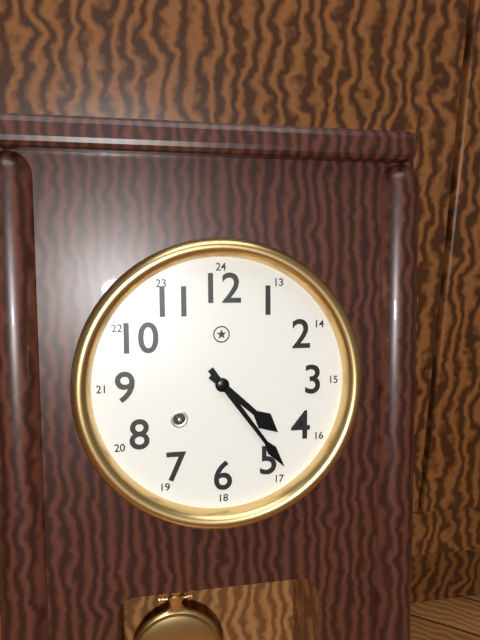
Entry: 4 h 24 min
